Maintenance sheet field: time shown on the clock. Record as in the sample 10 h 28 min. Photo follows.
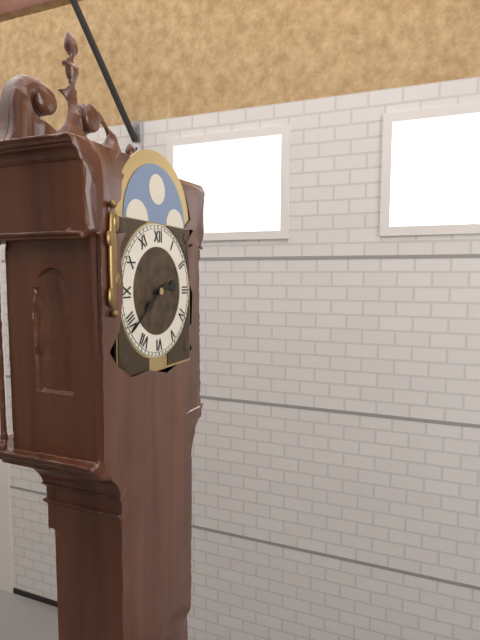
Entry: 2 h 39 min
